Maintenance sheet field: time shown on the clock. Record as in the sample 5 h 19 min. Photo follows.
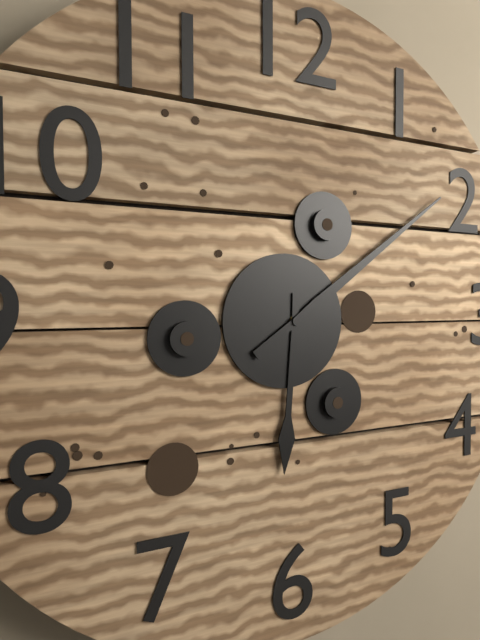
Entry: 6 h 09 min
